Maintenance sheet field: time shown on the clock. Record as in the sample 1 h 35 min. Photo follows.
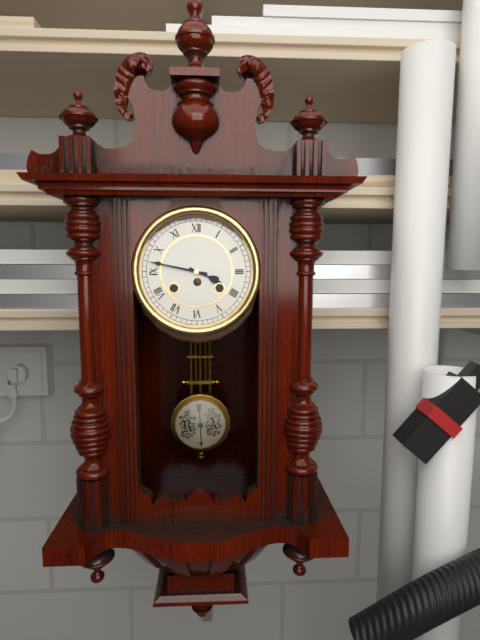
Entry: 3 h 47 min
